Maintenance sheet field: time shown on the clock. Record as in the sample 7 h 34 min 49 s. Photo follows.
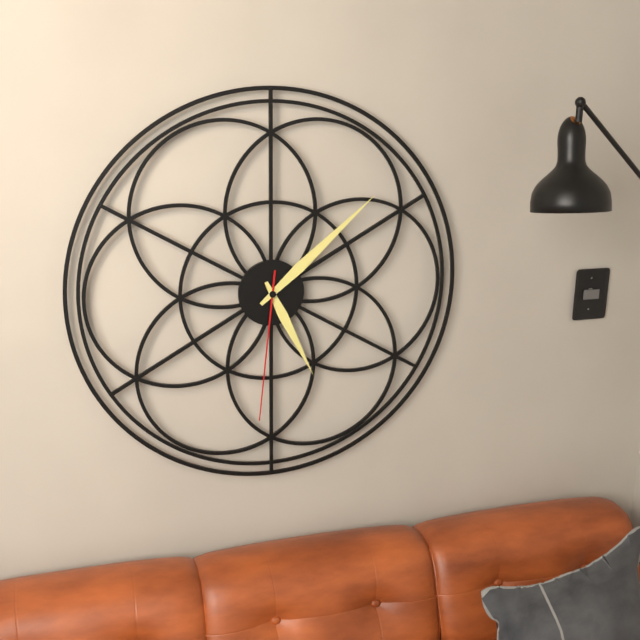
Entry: 5 h 08 min 31 s
